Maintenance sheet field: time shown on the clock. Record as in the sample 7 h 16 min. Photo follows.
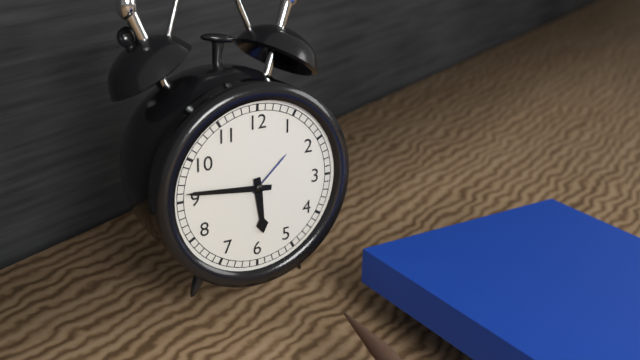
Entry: 5 h 46 min
